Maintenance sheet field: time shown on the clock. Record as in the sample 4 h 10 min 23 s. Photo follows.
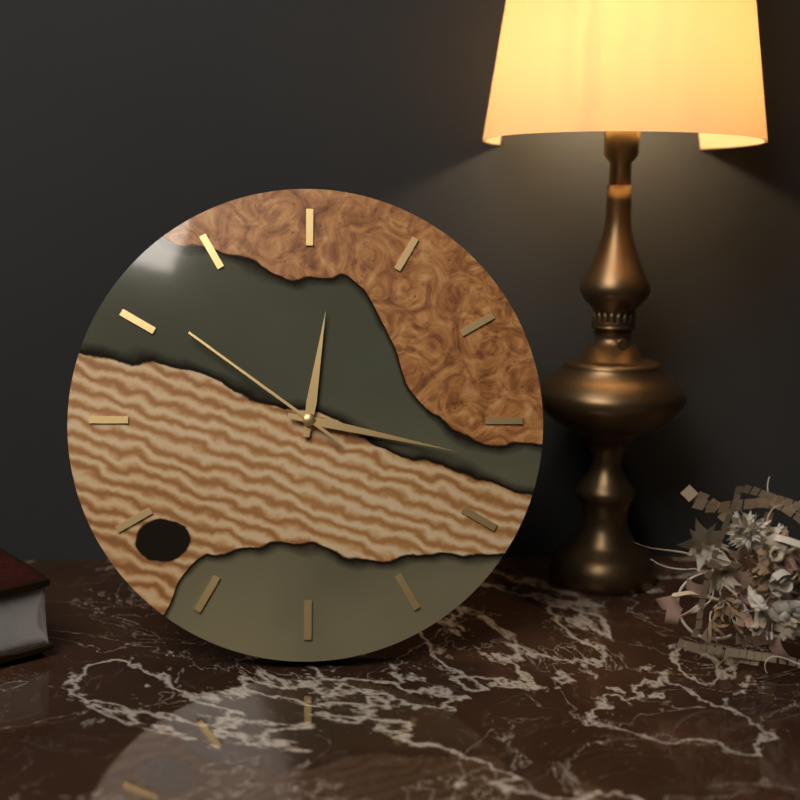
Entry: 12 h 17 min 51 s
